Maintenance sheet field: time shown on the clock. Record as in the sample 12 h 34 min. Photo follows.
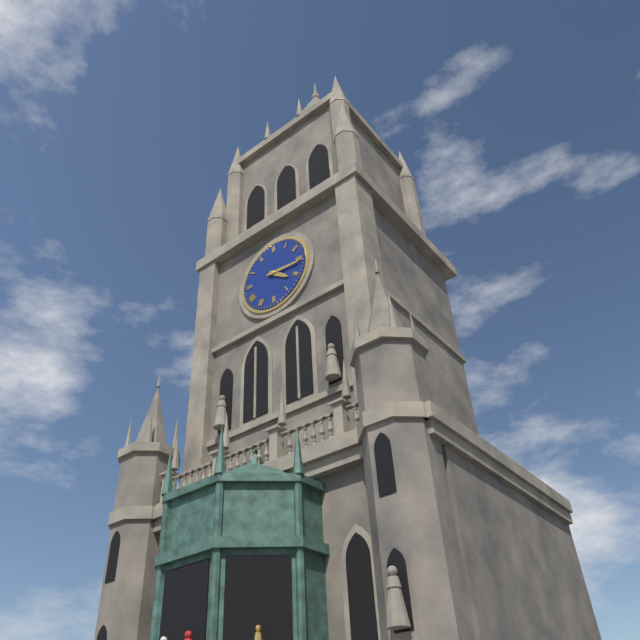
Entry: 4 h 16 min
